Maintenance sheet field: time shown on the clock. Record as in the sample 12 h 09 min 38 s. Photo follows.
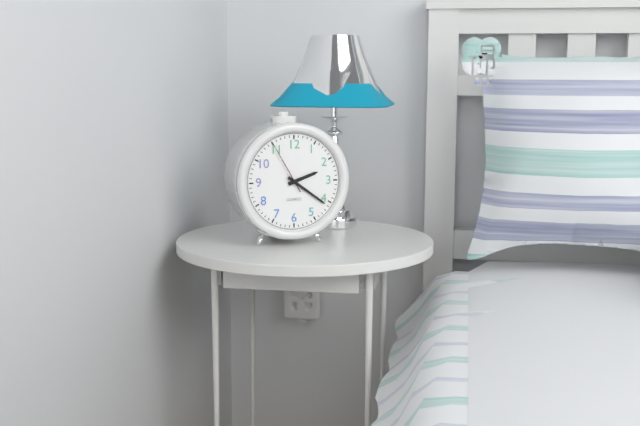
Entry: 2 h 21 min 55 s
